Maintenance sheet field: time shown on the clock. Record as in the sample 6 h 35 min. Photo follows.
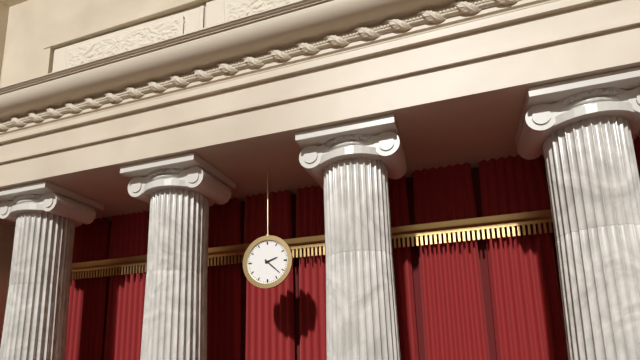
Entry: 2 h 22 min
